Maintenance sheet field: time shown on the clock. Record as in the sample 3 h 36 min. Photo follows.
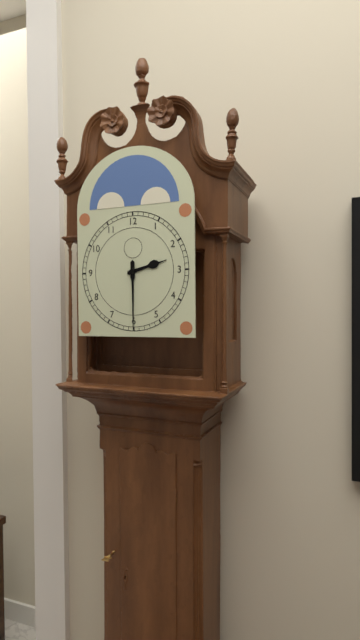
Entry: 2 h 30 min
